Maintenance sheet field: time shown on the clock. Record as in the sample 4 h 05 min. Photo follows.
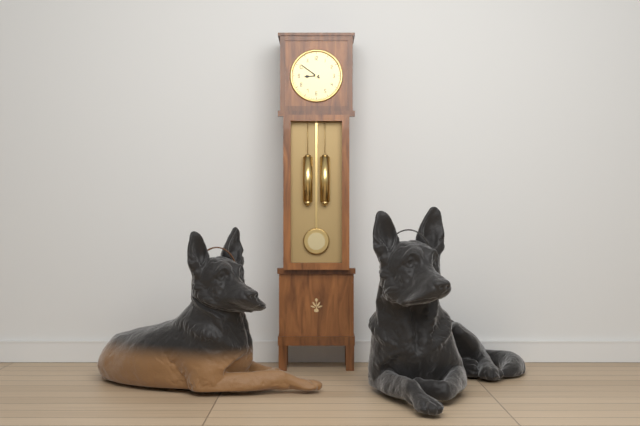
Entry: 8 h 51 min
